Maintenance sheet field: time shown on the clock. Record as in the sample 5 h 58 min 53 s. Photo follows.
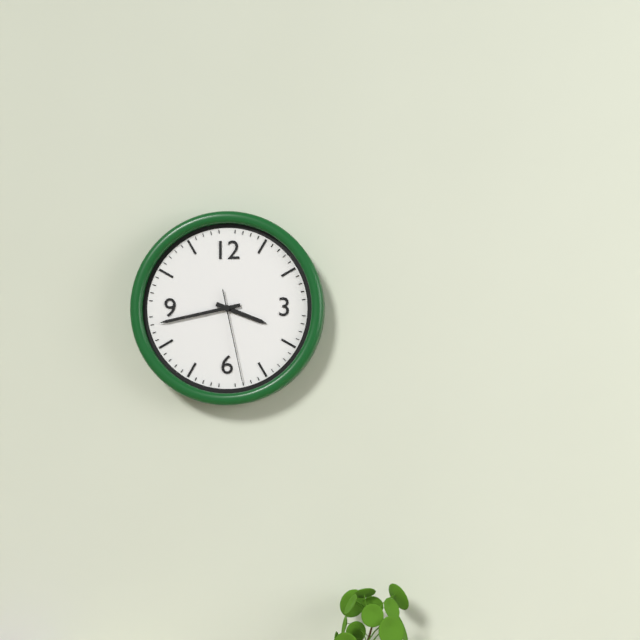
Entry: 3 h 43 min 28 s
